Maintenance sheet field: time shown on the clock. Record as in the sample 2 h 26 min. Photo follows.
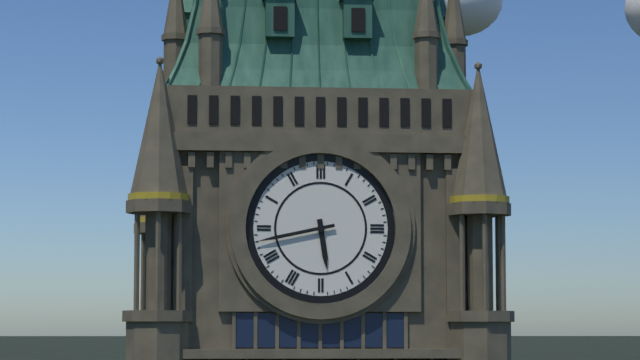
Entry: 5 h 43 min
